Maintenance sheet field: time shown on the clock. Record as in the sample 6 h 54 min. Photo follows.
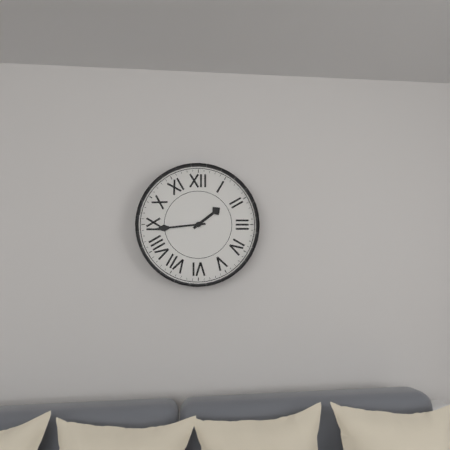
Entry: 1 h 44 min
